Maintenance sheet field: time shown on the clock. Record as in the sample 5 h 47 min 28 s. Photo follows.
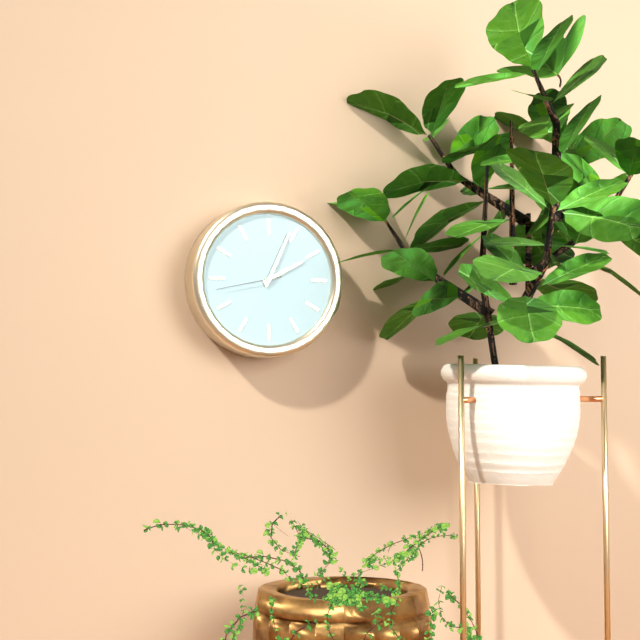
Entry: 2 h 04 min 43 s
